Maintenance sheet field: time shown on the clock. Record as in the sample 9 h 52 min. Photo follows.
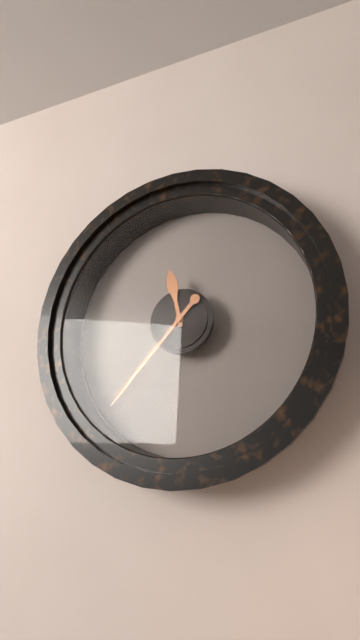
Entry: 11 h 37 min
